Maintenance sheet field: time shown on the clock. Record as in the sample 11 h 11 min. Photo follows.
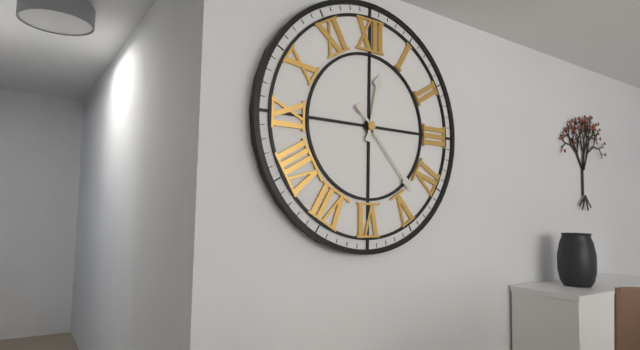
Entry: 12 h 23 min
